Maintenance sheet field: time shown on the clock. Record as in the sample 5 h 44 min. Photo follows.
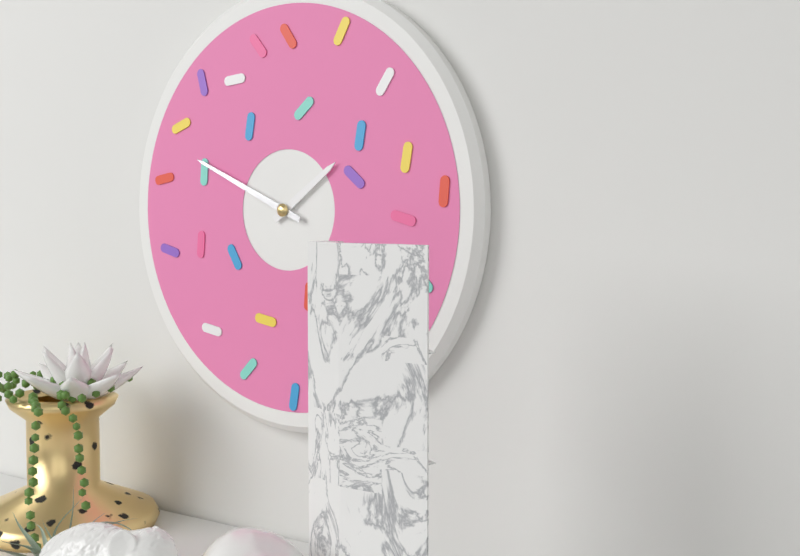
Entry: 1 h 49 min
